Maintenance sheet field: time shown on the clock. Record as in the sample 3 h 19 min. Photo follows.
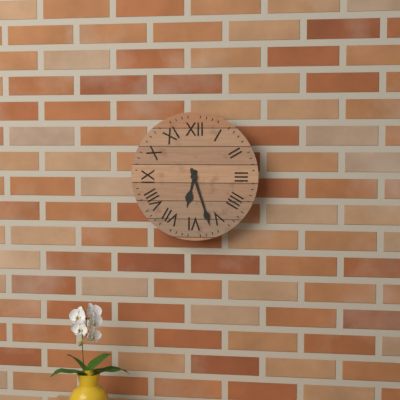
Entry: 6 h 27 min
